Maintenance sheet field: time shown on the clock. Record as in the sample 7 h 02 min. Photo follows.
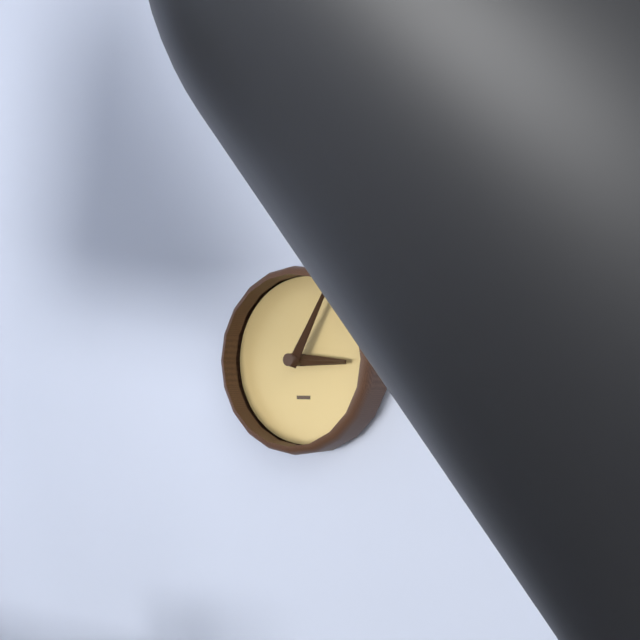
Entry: 3 h 05 min
